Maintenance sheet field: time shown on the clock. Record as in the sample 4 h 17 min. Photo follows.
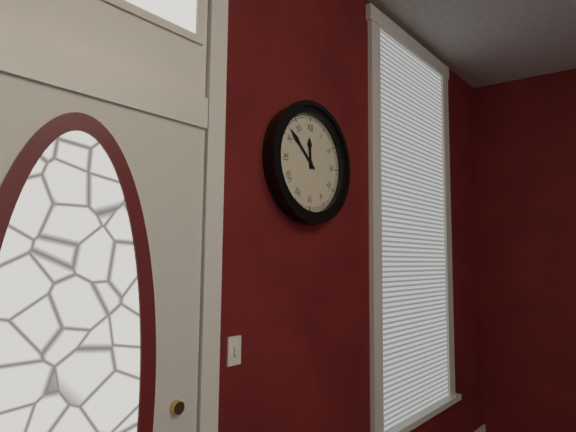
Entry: 11 h 52 min
